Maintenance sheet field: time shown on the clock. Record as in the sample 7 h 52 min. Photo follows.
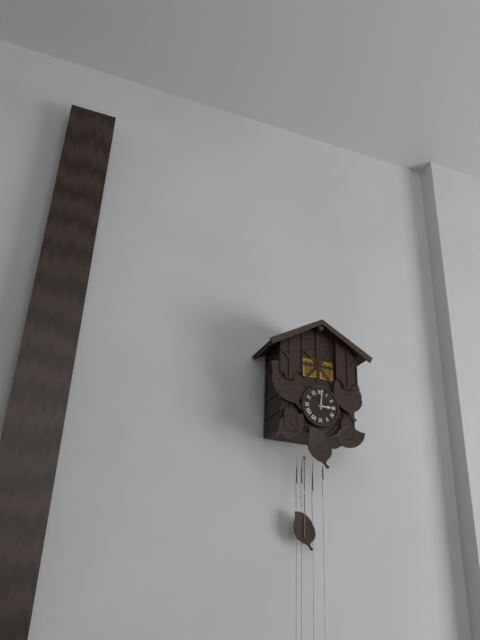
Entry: 3 h 01 min
